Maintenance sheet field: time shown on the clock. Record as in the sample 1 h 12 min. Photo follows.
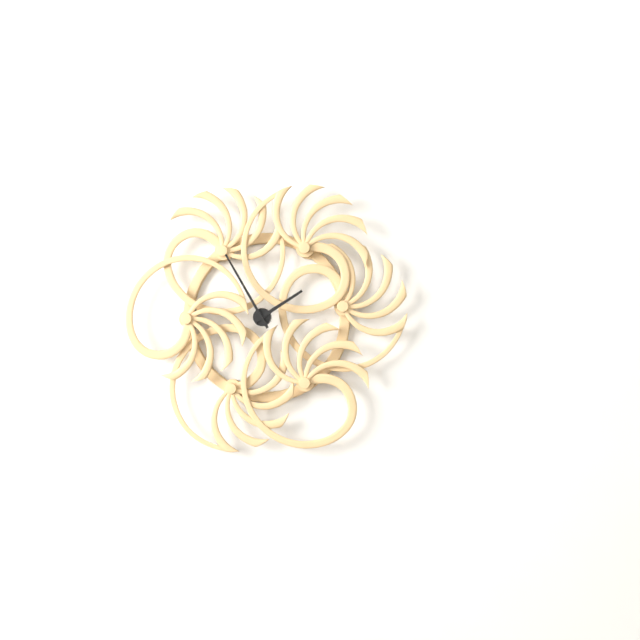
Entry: 1 h 55 min
